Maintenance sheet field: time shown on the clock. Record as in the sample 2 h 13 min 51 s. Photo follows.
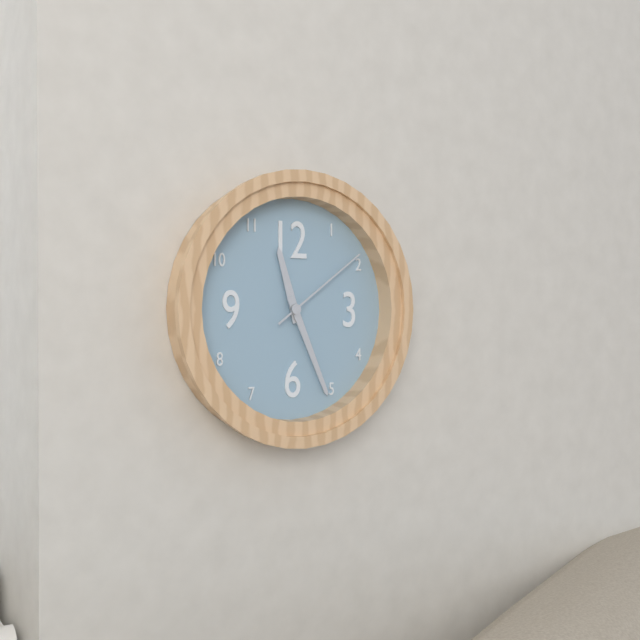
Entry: 11 h 26 min 09 s
